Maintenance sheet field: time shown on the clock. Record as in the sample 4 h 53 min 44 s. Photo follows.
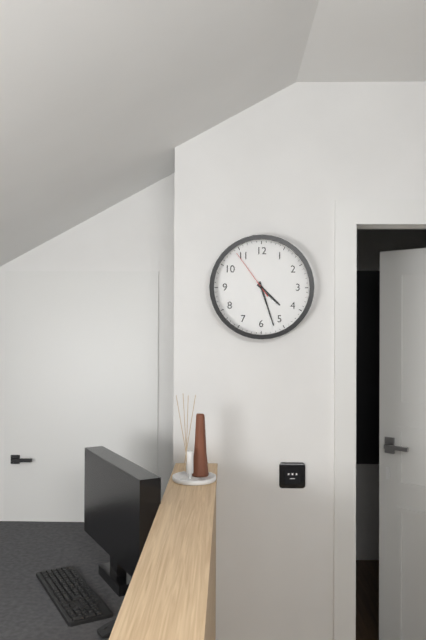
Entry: 4 h 27 min 54 s
